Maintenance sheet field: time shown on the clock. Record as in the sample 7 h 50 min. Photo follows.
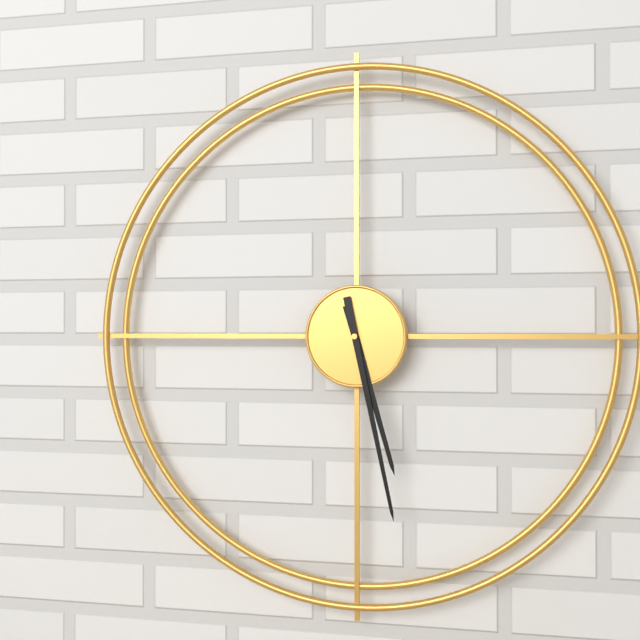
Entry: 5 h 28 min
